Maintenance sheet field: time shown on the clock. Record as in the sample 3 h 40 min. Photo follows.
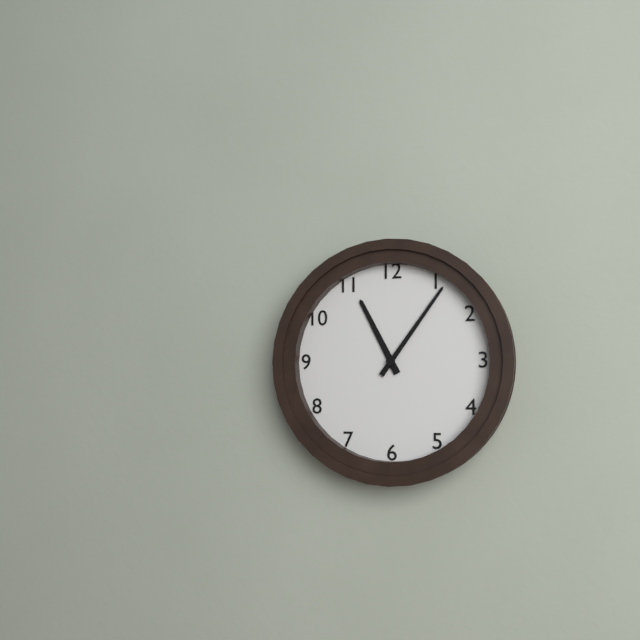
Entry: 11 h 06 min
